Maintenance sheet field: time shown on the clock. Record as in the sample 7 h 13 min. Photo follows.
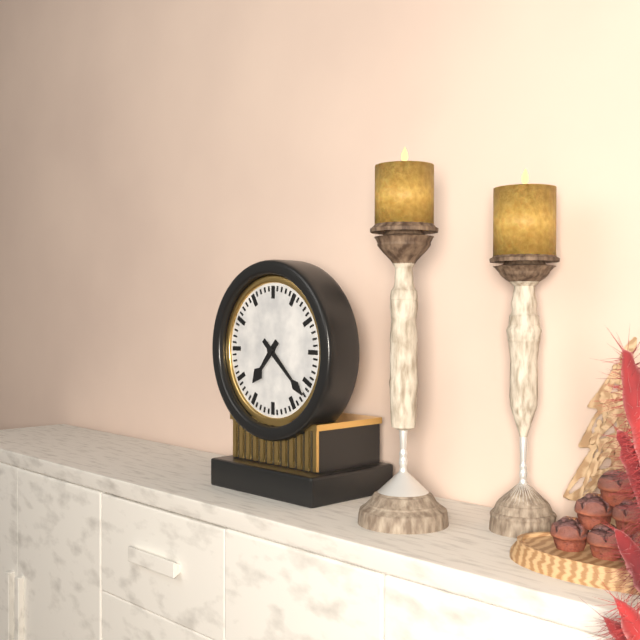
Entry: 7 h 22 min
